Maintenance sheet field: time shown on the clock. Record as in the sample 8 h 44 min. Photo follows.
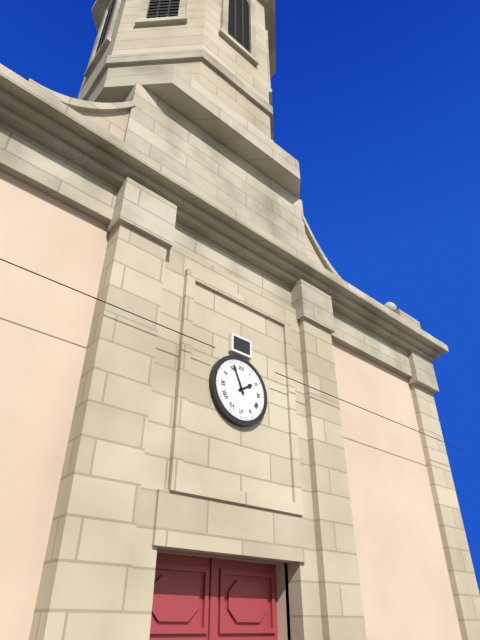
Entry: 1 h 56 min
